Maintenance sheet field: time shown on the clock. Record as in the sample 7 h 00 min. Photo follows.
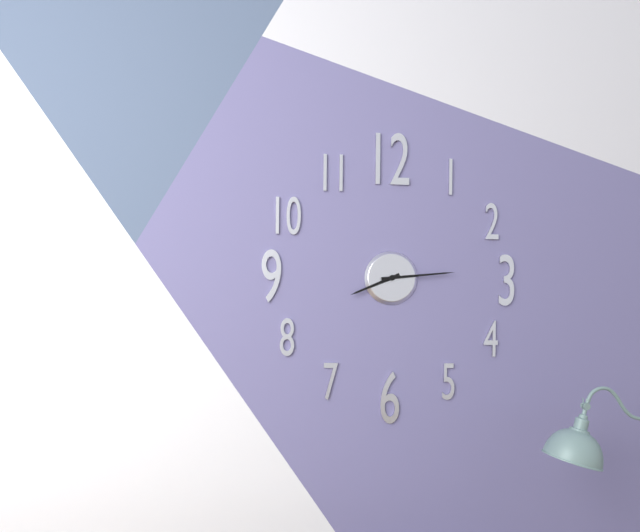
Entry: 8 h 14 min
